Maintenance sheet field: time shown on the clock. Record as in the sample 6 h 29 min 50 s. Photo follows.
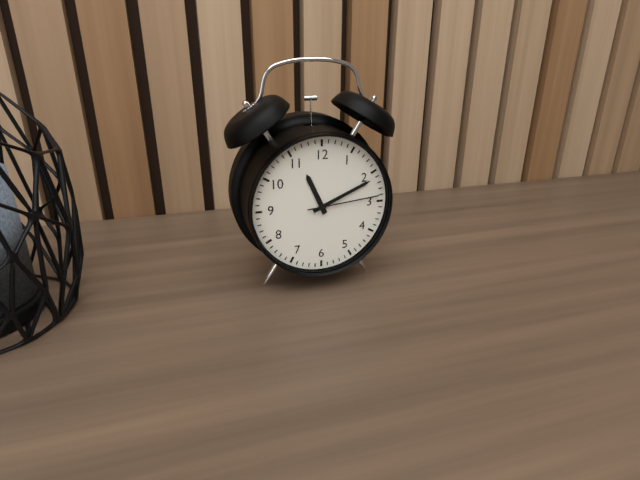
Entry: 11 h 11 min 14 s
